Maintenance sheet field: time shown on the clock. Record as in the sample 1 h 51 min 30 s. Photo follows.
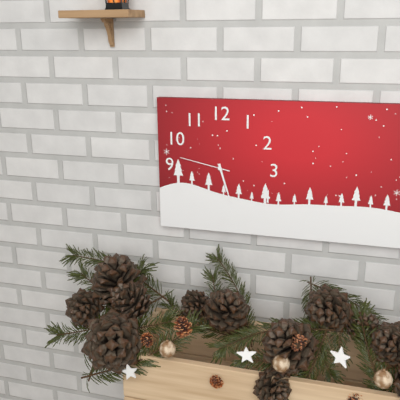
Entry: 5 h 27 min 47 s
